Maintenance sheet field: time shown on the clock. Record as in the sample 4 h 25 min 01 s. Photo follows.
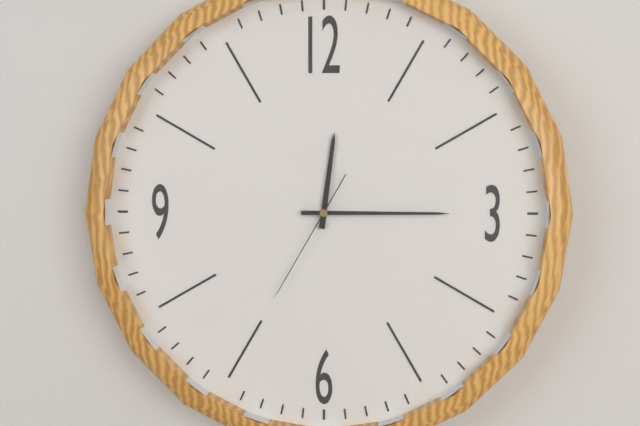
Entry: 12 h 15 min 35 s
